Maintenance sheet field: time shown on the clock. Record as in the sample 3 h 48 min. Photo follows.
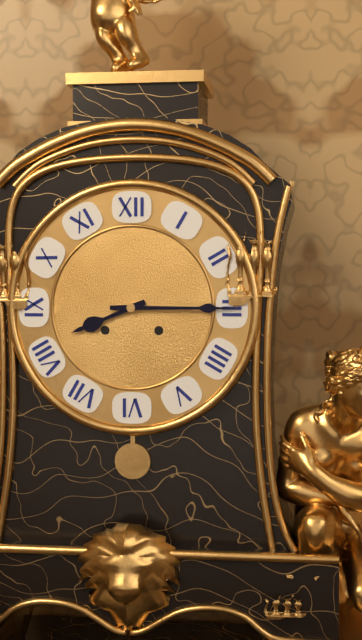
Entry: 8 h 15 min
